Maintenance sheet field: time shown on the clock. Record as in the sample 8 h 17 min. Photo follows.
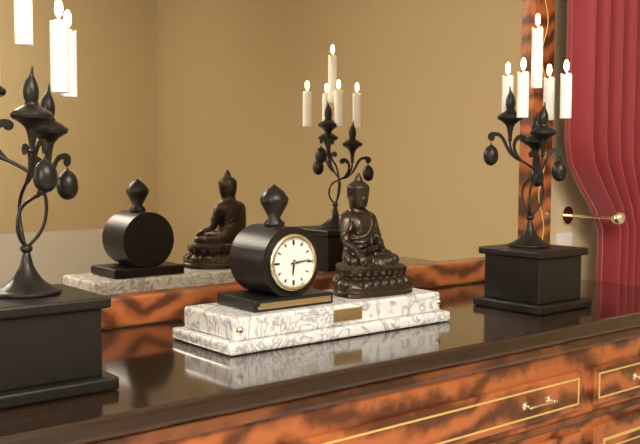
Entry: 6 h 14 min
